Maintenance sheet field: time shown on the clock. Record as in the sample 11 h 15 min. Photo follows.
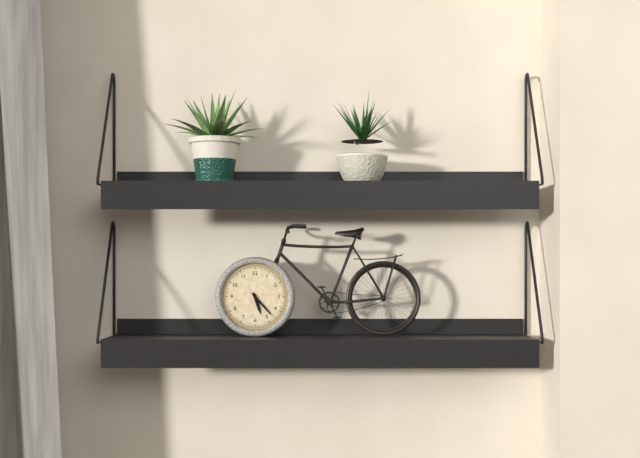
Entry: 5 h 23 min
